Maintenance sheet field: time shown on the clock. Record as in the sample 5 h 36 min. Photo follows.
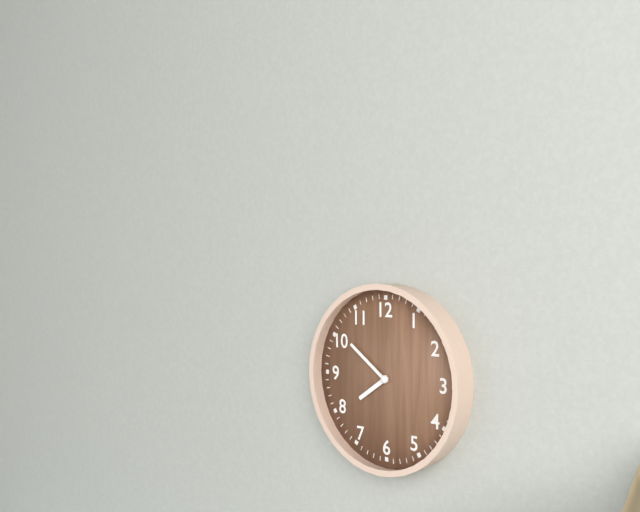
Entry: 7 h 51 min
